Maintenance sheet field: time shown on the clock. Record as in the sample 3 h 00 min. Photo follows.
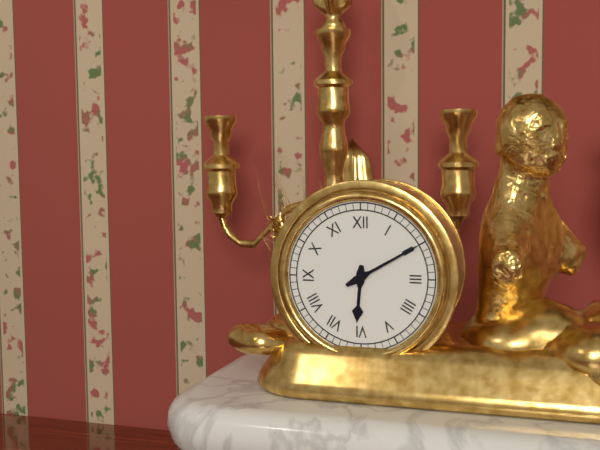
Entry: 6 h 10 min
